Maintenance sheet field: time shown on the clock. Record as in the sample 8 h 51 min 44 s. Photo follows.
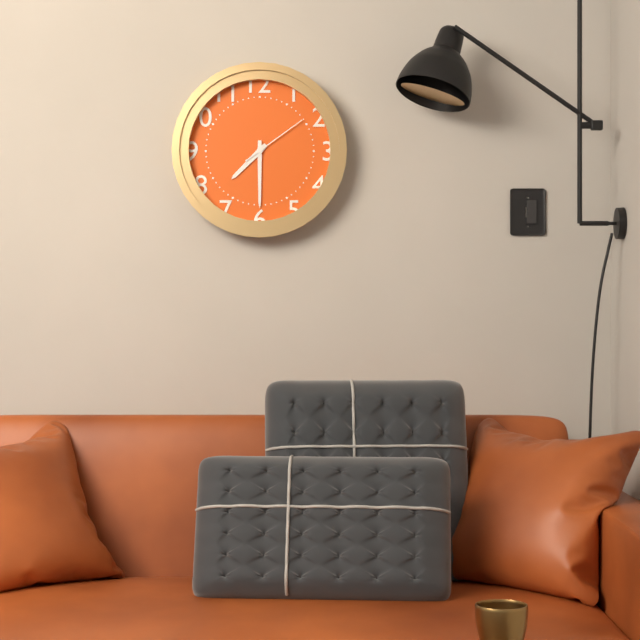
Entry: 7 h 30 min 09 s
